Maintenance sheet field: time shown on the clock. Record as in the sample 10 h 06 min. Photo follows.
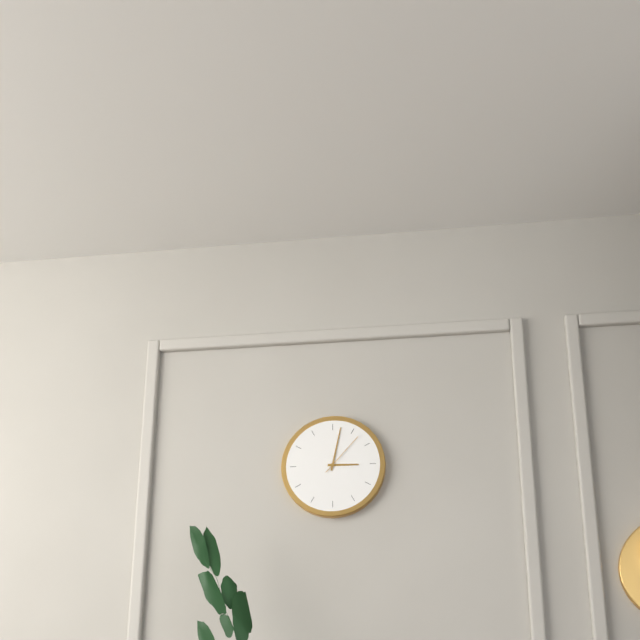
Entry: 3 h 02 min
